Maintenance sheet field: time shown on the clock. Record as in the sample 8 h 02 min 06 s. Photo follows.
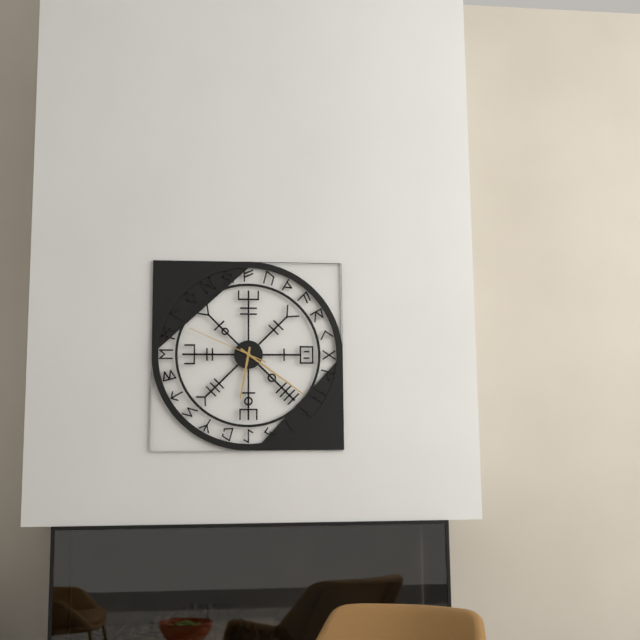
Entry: 6 h 21 min 49 s
